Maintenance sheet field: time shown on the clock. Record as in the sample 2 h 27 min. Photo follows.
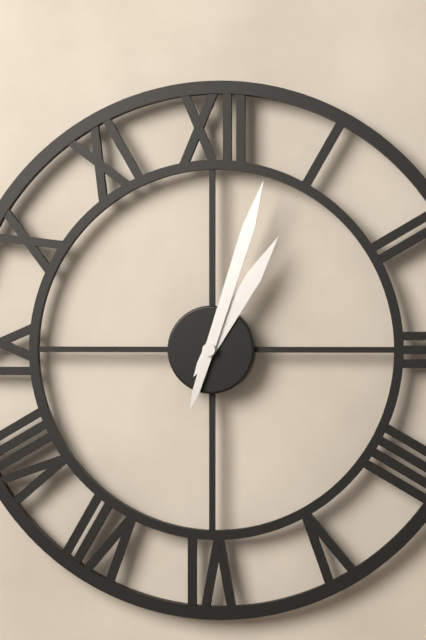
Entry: 1 h 03 min
